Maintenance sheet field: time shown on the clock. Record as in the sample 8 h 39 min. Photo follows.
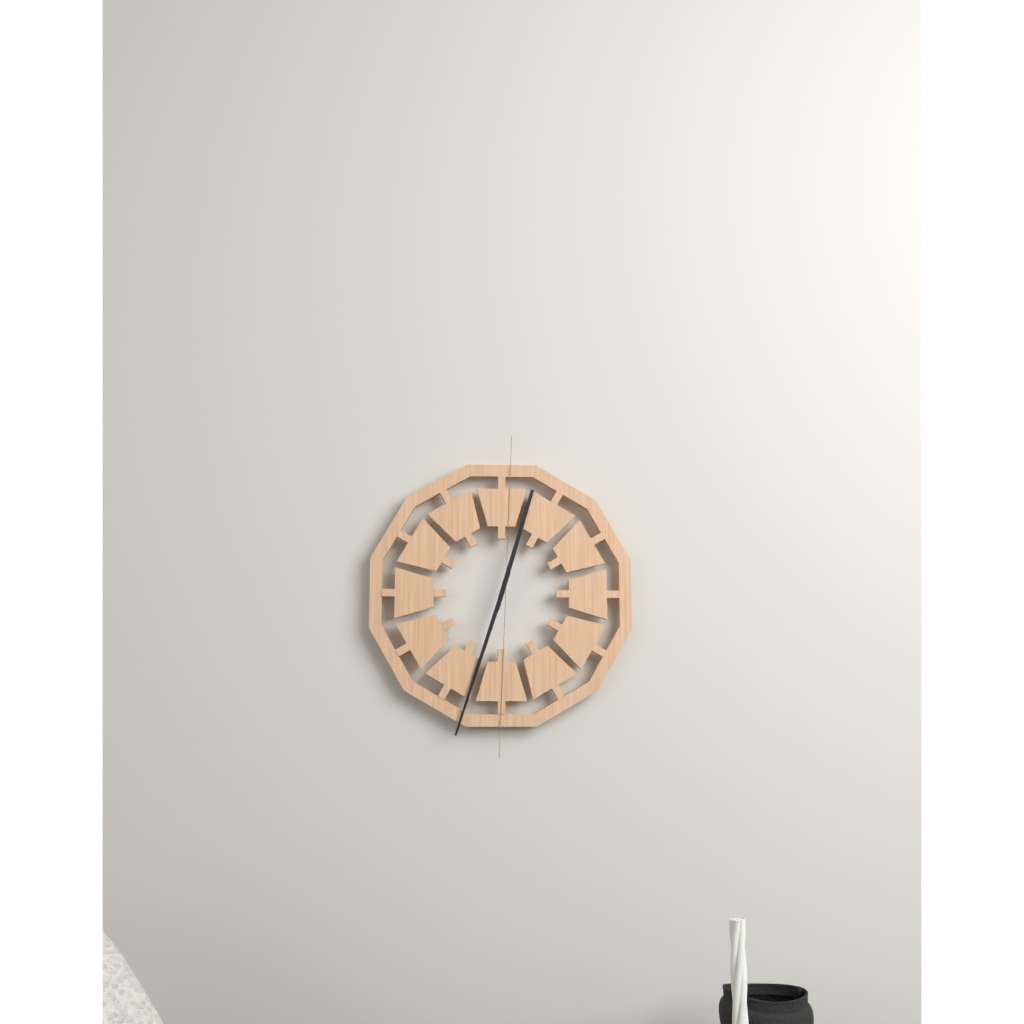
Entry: 12 h 33 min
